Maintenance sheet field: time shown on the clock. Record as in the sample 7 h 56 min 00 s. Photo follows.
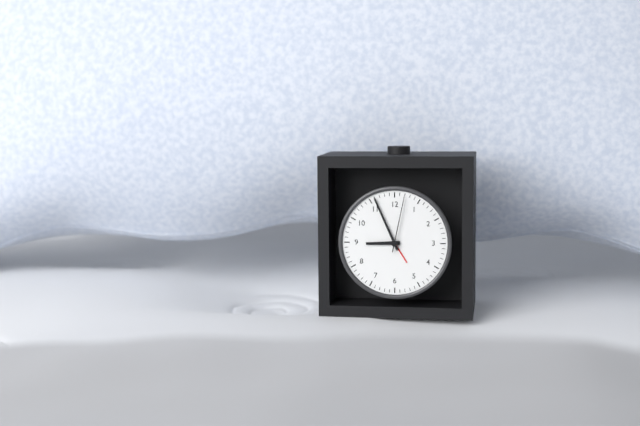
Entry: 8 h 56 min 02 s
